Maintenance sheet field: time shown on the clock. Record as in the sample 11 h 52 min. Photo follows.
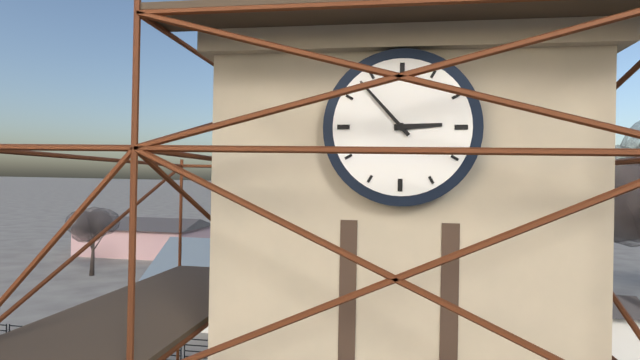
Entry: 2 h 53 min
